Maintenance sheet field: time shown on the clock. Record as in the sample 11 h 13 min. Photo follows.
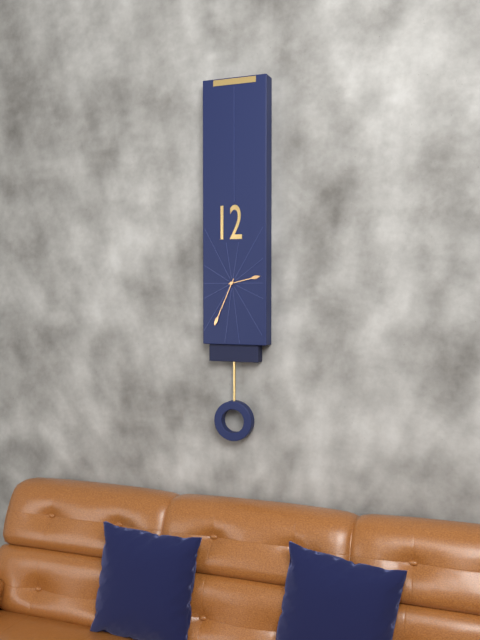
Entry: 2 h 34 min
